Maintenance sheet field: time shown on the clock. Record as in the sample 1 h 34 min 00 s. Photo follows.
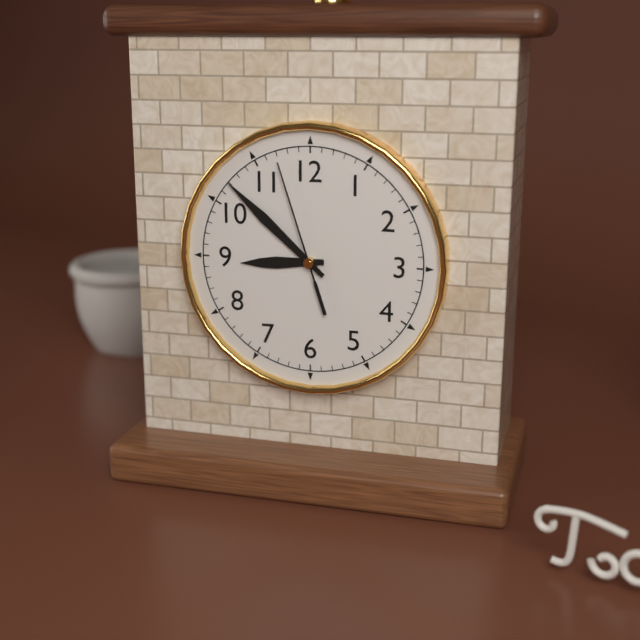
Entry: 8 h 52 min 57 s
